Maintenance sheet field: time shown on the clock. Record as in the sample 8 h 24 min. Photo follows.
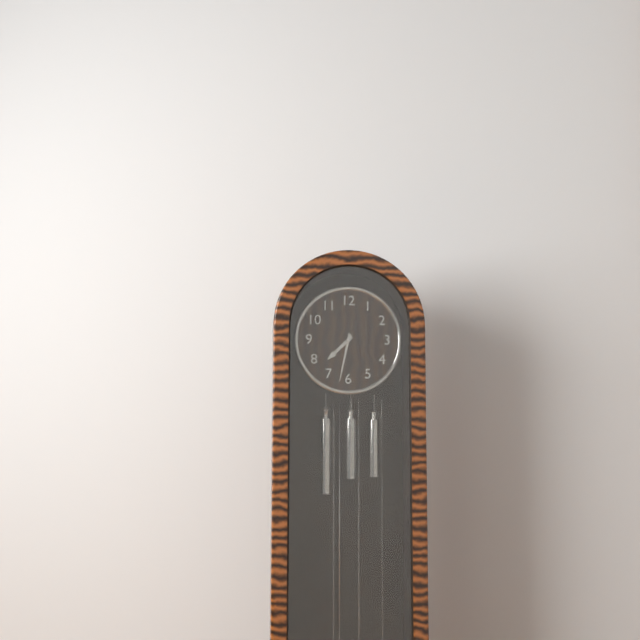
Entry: 7 h 32 min
